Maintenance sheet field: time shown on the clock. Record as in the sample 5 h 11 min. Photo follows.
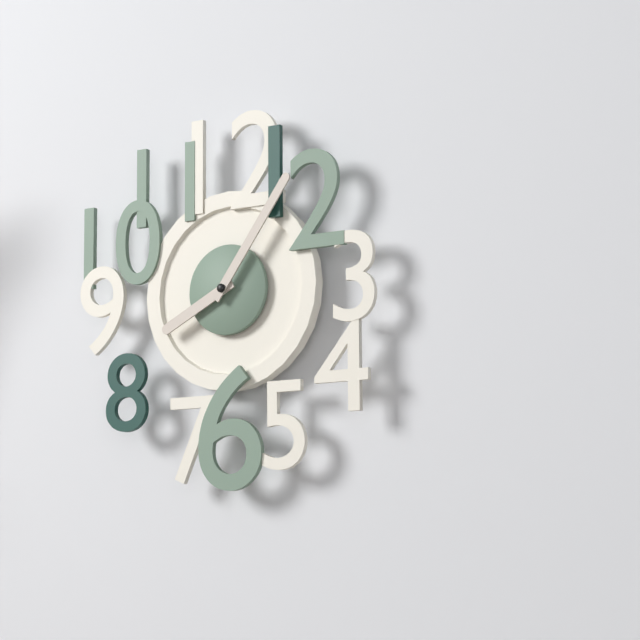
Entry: 8 h 06 min
